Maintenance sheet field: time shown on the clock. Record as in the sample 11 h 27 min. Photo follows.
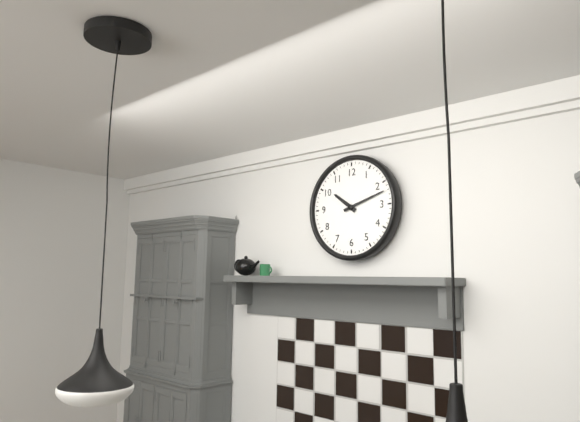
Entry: 10 h 12 min
